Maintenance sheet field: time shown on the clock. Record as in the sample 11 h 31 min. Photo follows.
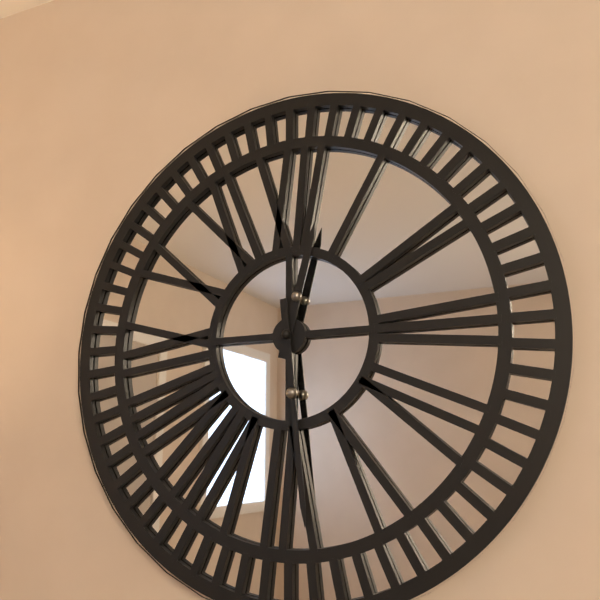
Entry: 12 h 29 min
